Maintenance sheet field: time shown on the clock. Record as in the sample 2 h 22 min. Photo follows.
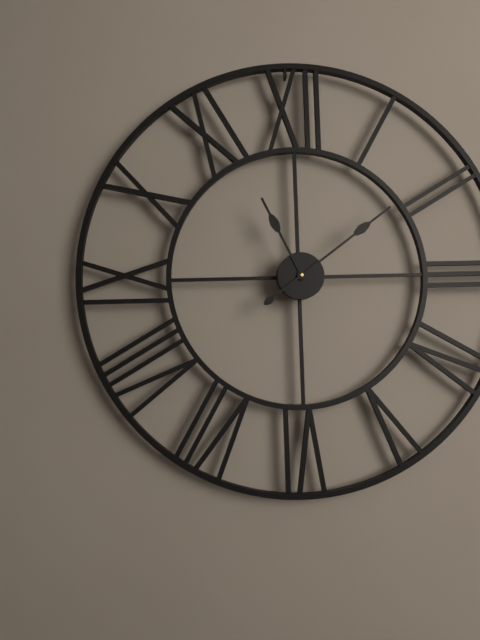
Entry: 11 h 09 min
